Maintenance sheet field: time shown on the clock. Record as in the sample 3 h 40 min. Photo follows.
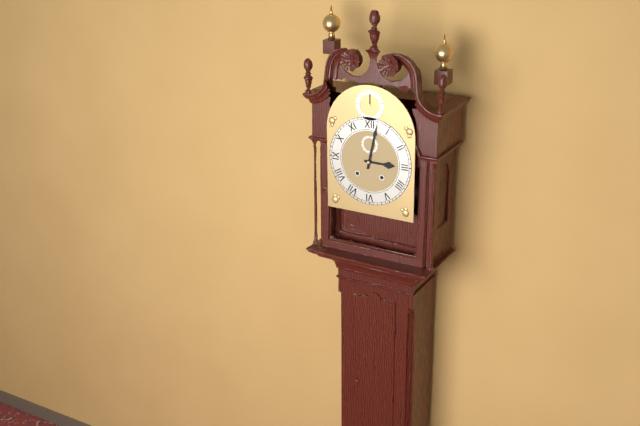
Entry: 3 h 02 min
